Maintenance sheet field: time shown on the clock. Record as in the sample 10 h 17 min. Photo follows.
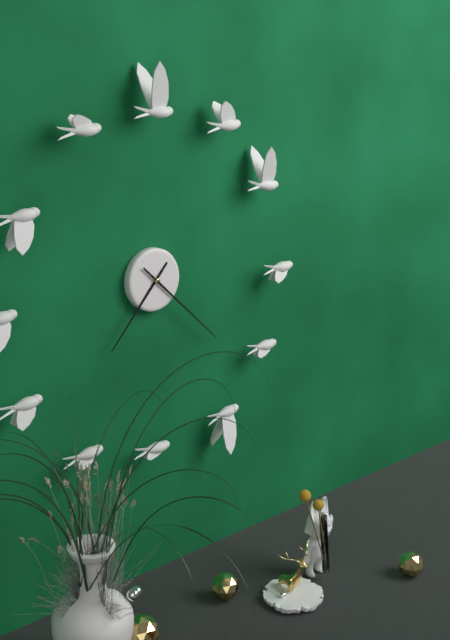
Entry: 7 h 22 min
